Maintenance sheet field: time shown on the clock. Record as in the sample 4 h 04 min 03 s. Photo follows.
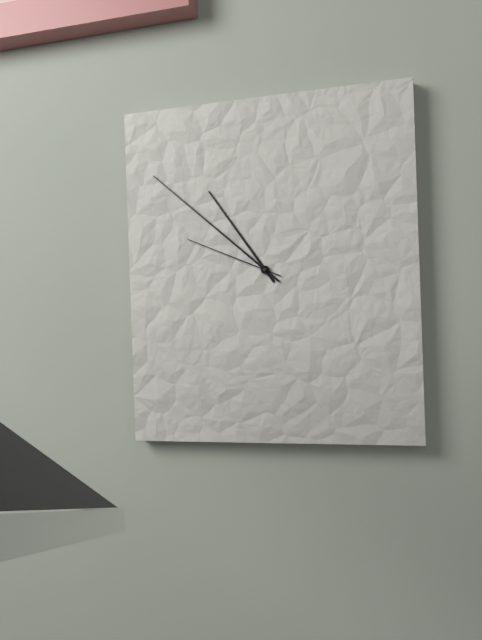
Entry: 10 h 52 min 49 s
